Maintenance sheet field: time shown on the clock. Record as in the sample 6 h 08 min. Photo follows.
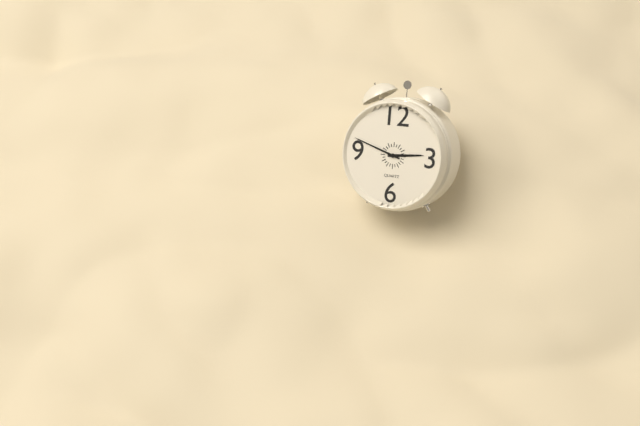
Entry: 2 h 48 min
